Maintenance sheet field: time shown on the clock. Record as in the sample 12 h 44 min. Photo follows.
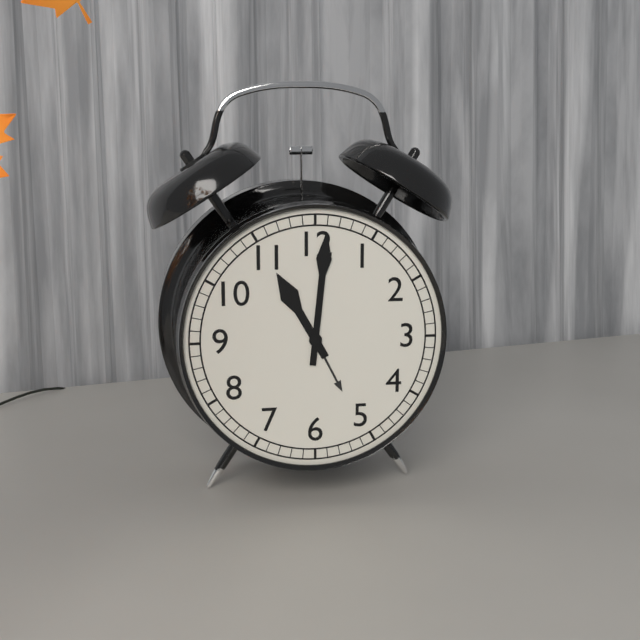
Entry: 11 h 01 min
